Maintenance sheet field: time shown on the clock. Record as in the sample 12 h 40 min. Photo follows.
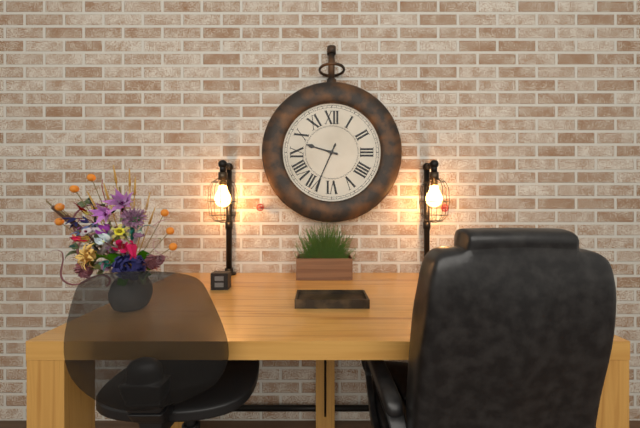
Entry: 9 h 34 min
